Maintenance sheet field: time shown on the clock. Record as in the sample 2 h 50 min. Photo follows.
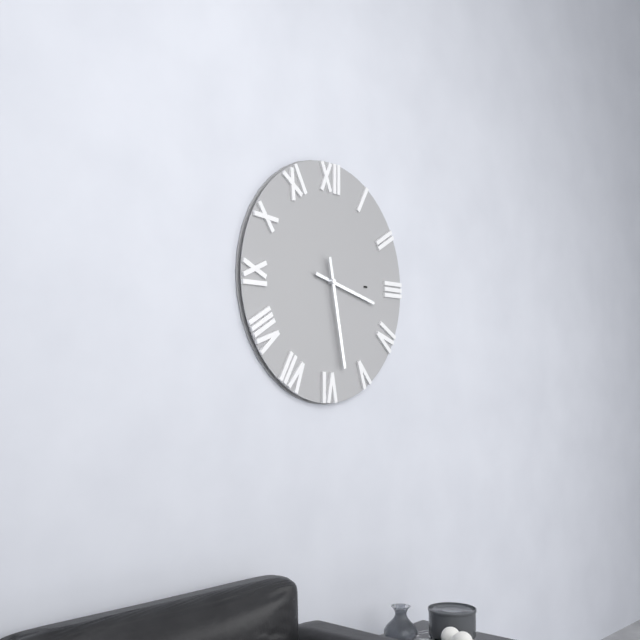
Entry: 3 h 28 min
